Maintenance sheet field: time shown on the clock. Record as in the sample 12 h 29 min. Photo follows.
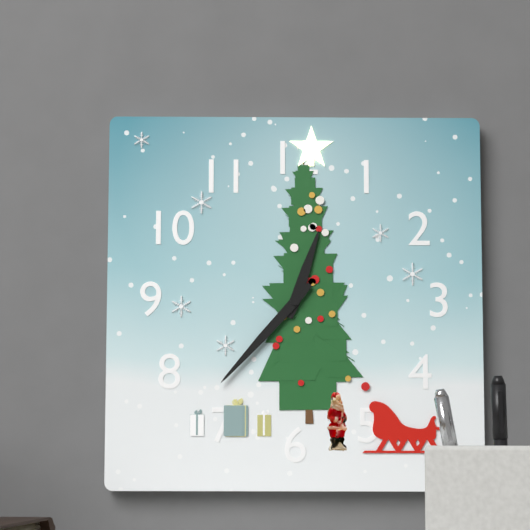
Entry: 12 h 37 min
